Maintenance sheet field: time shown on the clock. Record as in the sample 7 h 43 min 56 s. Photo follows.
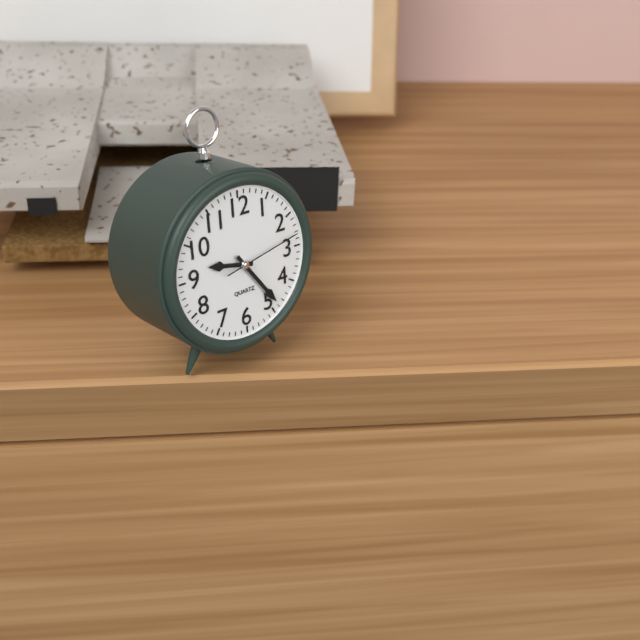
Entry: 9 h 24 min 13 s
